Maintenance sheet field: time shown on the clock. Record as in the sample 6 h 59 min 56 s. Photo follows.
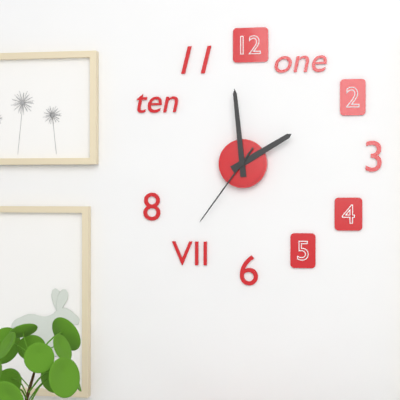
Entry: 1 h 59 min 36 s
